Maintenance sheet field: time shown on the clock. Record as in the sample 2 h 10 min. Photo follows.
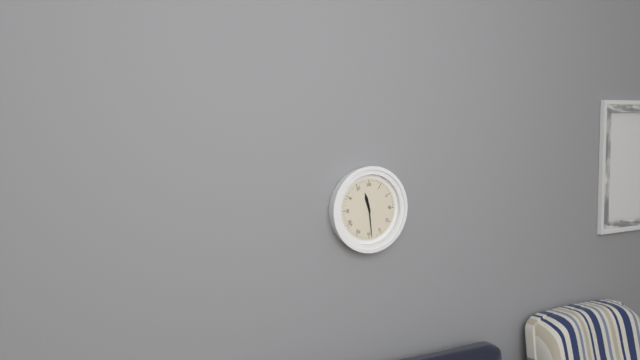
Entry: 11 h 29 min
